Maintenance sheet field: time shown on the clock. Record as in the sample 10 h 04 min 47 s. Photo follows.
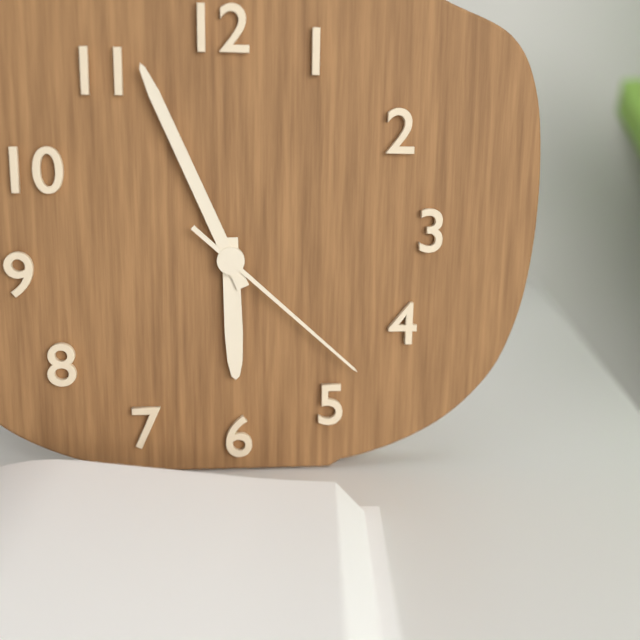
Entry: 5 h 56 min 22 s
